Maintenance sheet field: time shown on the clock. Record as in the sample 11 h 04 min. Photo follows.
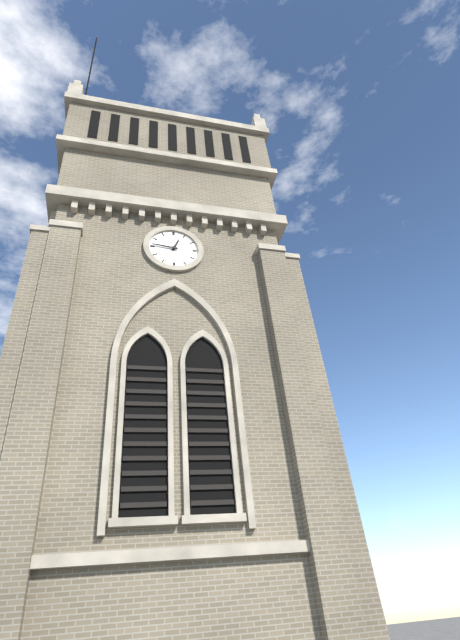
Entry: 12 h 46 min
